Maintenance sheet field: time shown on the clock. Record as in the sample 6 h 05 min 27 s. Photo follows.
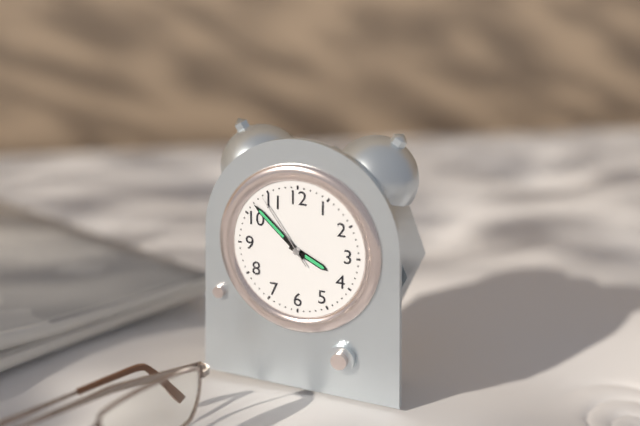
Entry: 3 h 52 min 54 s
